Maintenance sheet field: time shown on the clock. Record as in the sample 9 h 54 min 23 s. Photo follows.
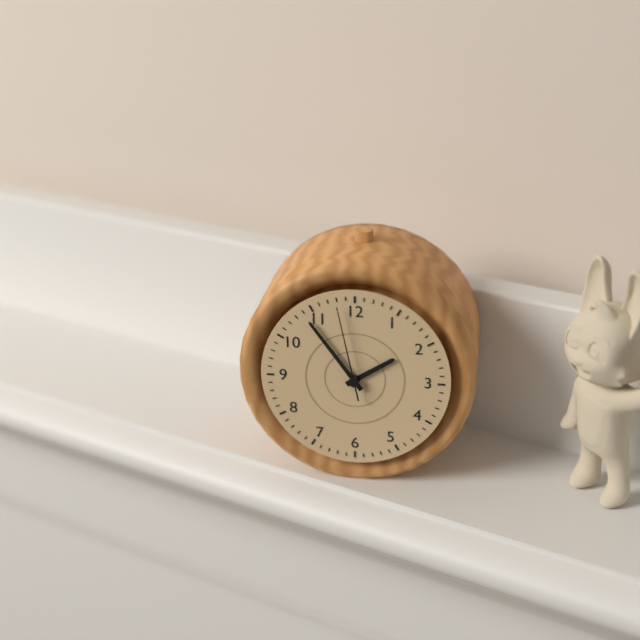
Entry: 1 h 54 min 58 s
